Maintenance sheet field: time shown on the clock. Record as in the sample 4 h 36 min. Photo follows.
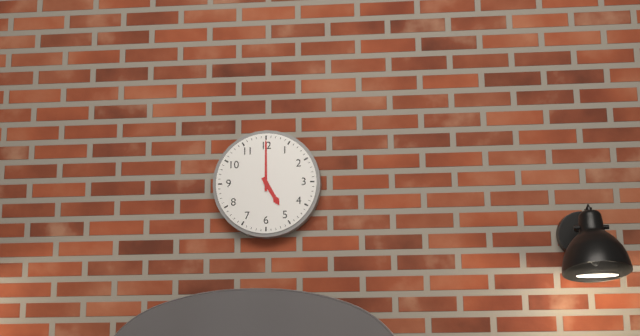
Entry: 5 h 00 min
